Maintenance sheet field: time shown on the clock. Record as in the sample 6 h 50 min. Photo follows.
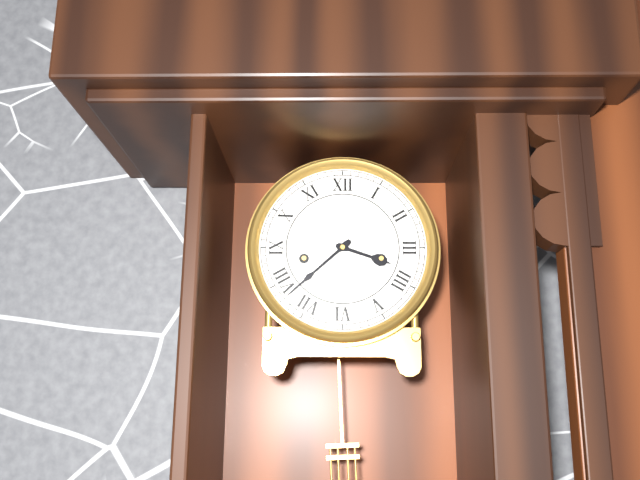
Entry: 3 h 38 min
